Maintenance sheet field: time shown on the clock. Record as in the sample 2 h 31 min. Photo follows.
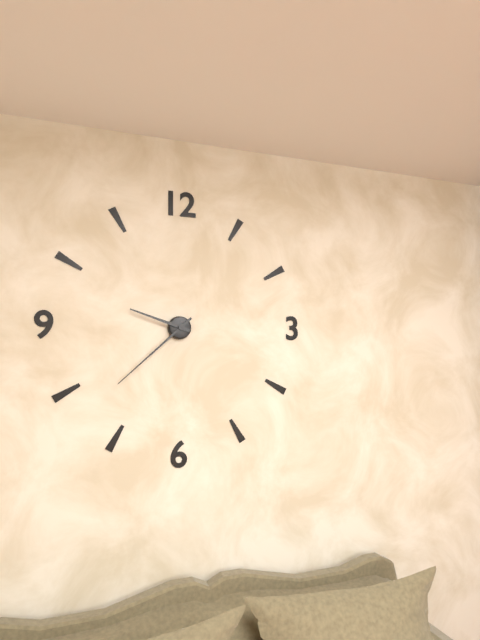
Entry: 9 h 38 min
